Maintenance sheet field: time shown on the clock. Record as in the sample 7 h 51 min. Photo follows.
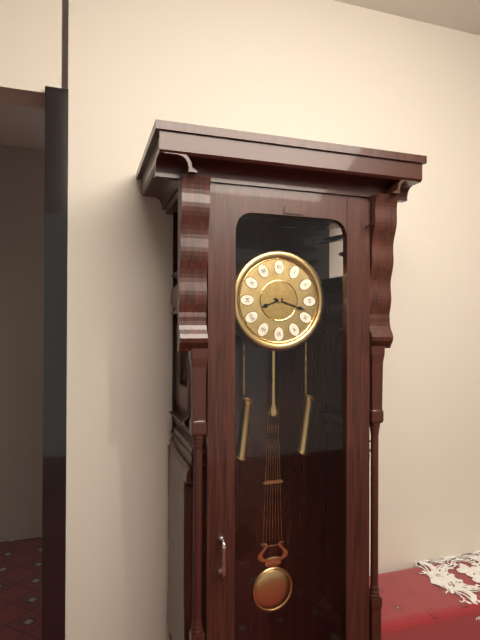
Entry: 8 h 18 min
